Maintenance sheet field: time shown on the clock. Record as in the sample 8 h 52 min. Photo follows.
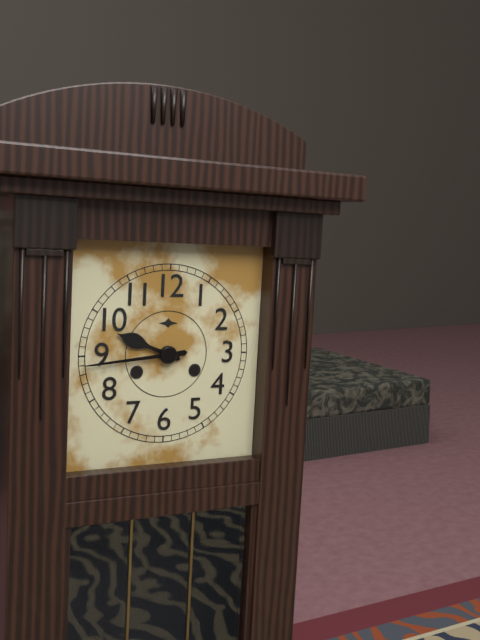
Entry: 9 h 44 min
